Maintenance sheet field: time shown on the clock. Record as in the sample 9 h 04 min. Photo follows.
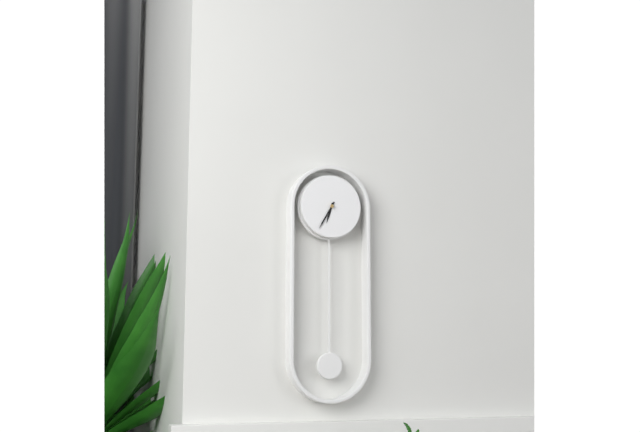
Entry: 6 h 35 min
